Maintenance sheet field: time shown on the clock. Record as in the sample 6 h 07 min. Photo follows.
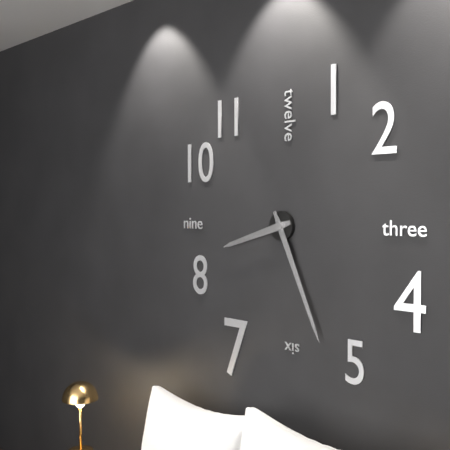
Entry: 8 h 26 min
